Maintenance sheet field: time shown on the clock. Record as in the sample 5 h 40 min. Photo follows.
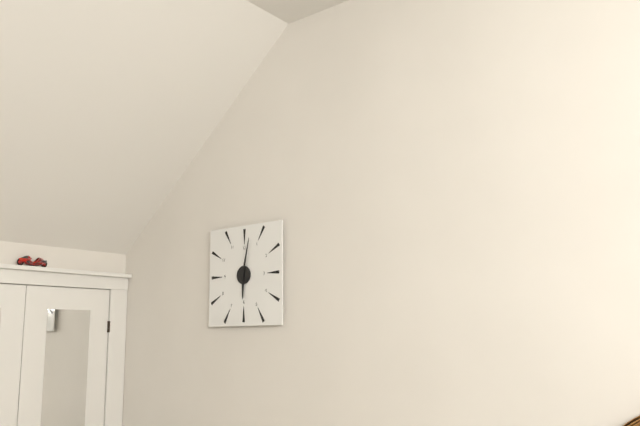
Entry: 6 h 02 min
